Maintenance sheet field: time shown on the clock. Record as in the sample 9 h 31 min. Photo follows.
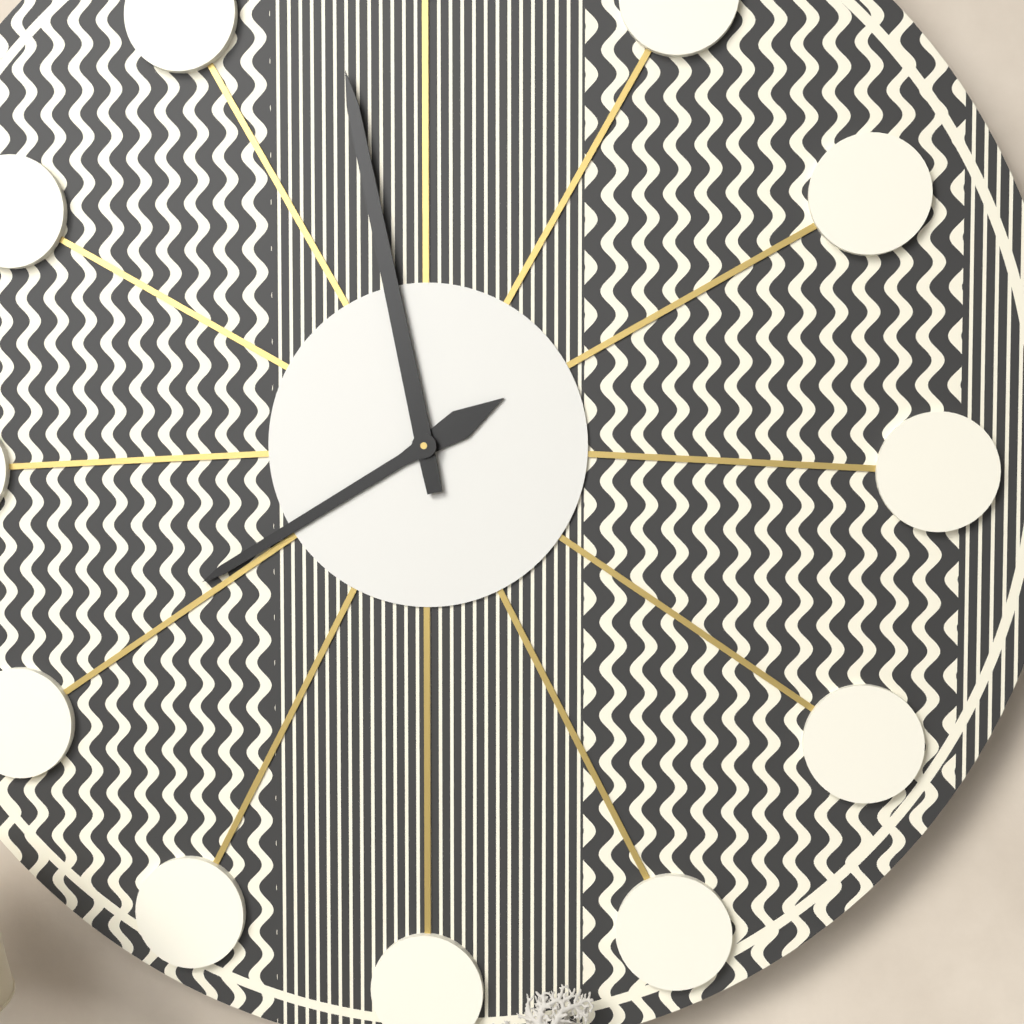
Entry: 7 h 58 min
